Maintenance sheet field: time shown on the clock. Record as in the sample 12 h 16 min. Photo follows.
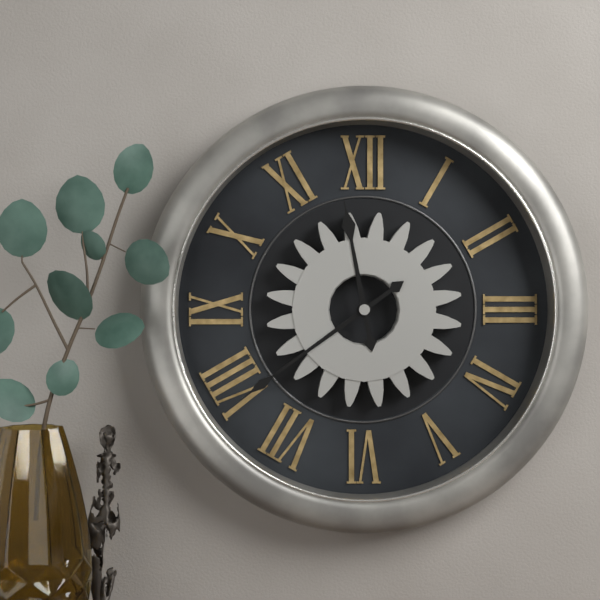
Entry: 11 h 39 min
